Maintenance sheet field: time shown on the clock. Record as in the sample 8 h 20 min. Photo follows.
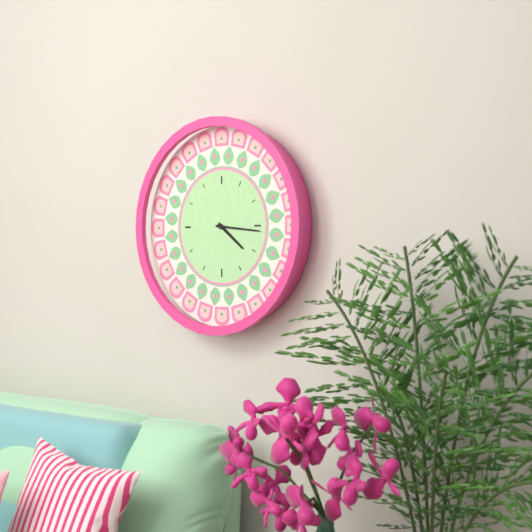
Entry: 4 h 16 min
